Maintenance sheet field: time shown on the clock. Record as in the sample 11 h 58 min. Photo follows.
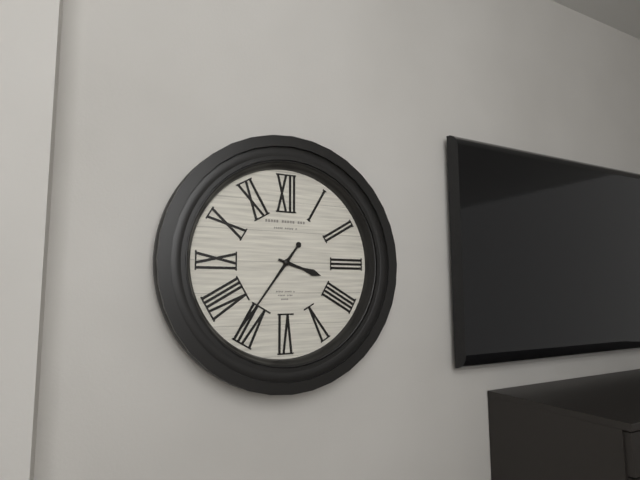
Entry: 3 h 36 min
